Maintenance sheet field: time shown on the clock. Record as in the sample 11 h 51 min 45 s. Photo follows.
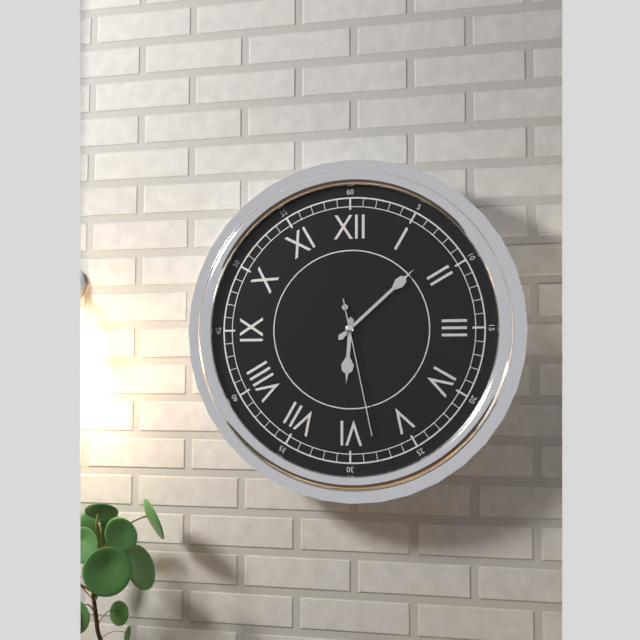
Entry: 6 h 08 min 28 s
